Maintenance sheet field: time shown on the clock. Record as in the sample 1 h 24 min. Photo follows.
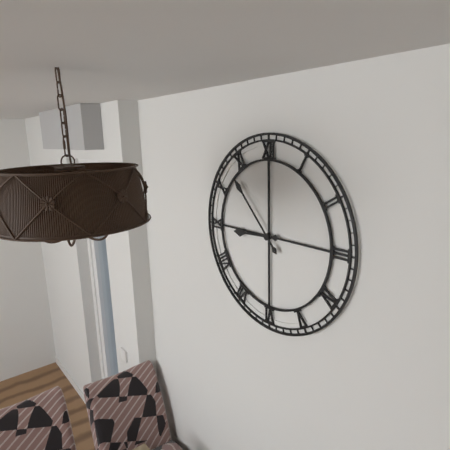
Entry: 8 h 53 min
